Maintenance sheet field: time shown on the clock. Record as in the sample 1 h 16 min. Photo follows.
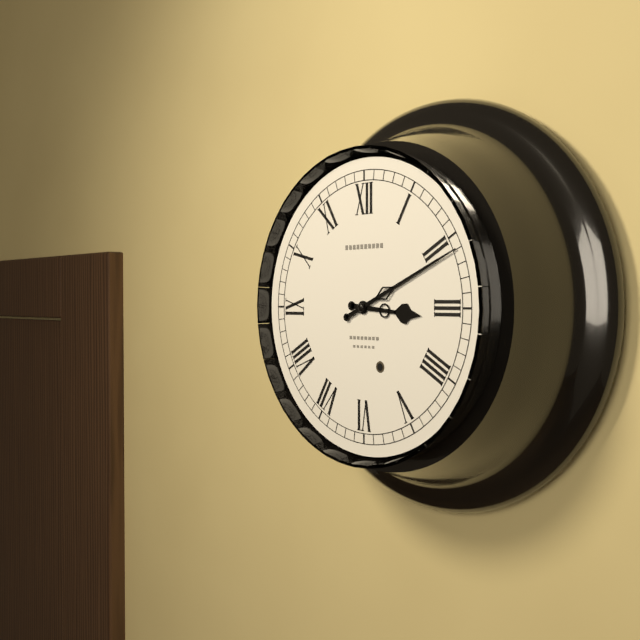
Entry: 3 h 11 min
